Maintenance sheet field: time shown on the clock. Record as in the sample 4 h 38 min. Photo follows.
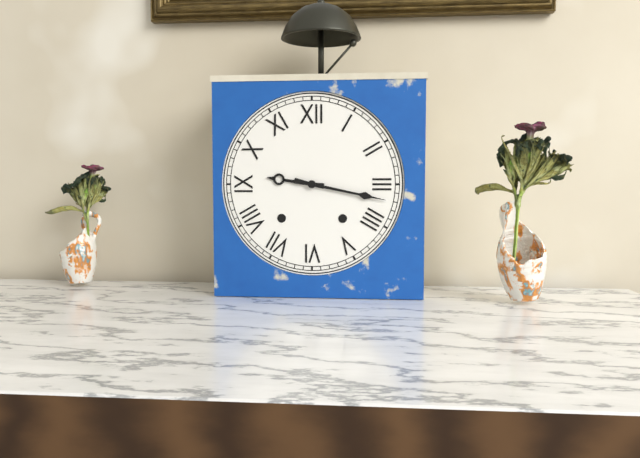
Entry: 9 h 17 min
